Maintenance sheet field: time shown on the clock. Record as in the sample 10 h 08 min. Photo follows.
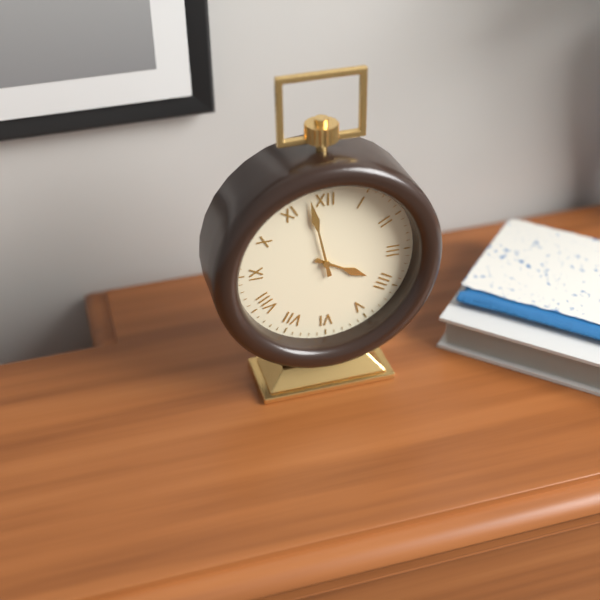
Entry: 3 h 58 min
